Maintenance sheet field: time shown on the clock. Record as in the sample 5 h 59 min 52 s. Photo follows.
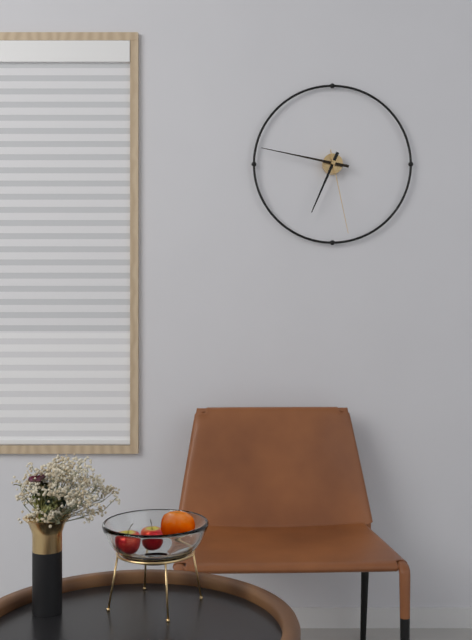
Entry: 6 h 47 min 28 s
